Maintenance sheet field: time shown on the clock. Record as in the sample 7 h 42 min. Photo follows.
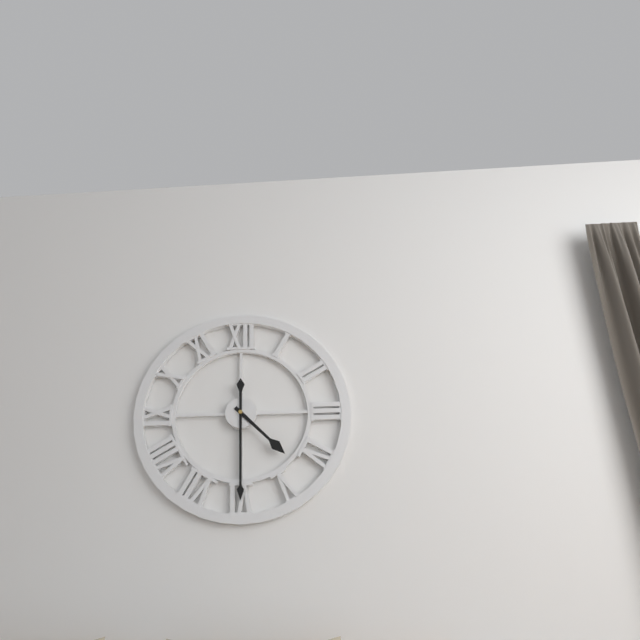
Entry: 4 h 30 min
